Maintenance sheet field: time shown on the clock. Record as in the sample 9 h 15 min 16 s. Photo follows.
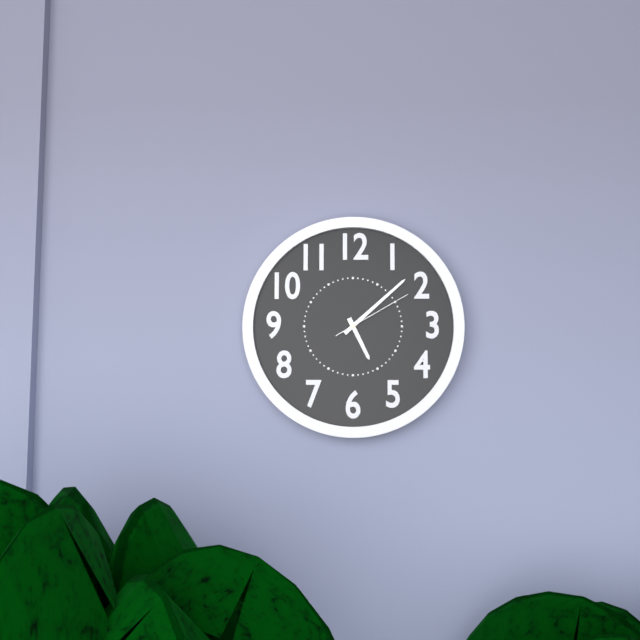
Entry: 5 h 08 min 10 s
